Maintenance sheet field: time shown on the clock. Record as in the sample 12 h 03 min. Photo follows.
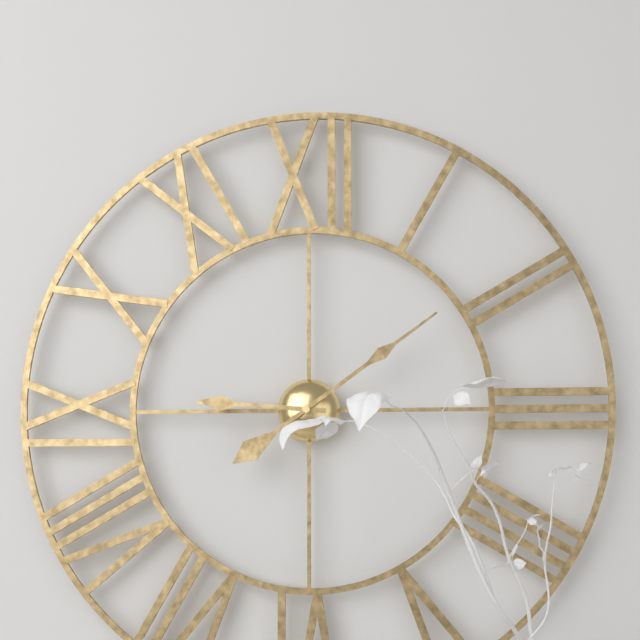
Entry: 9 h 09 min
